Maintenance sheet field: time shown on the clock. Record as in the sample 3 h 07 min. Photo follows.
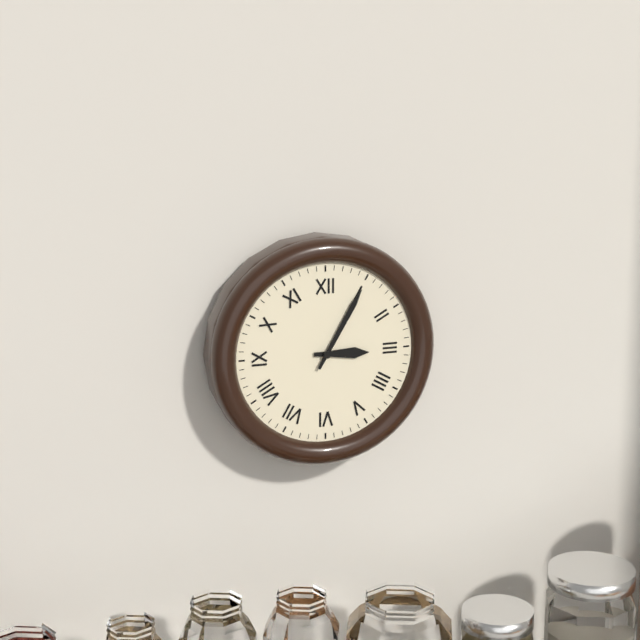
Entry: 3 h 05 min
